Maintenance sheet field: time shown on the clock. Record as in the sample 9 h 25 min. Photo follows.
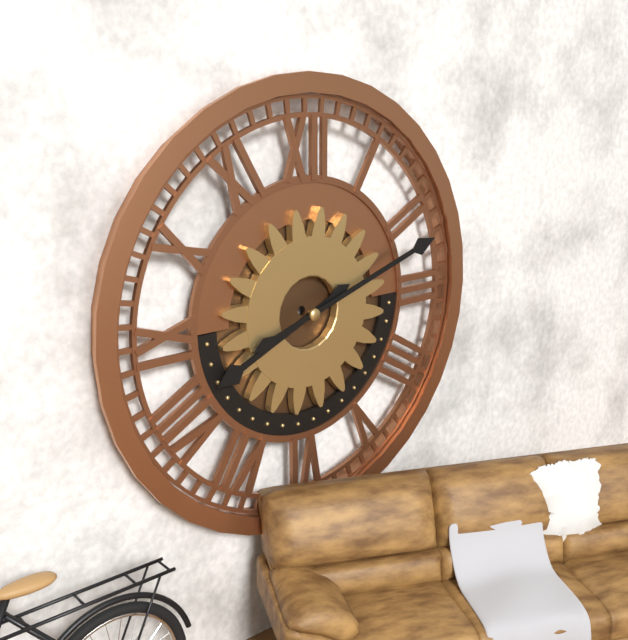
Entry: 8 h 12 min
